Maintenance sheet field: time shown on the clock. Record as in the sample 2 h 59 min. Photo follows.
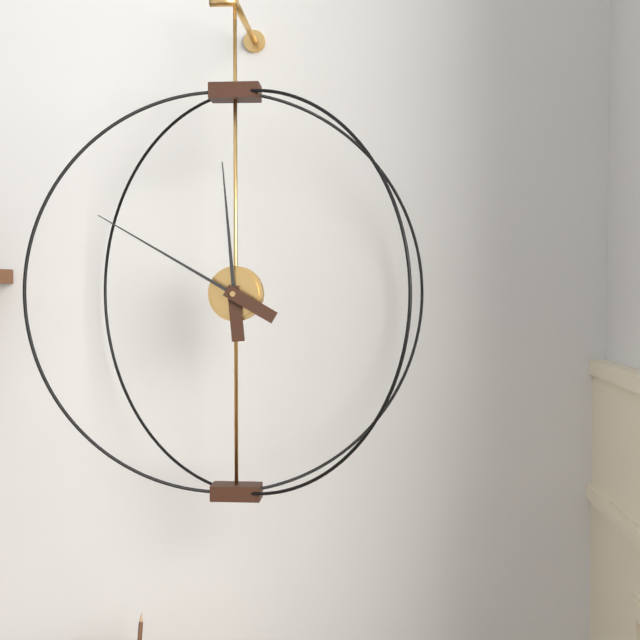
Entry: 11 h 50 min
